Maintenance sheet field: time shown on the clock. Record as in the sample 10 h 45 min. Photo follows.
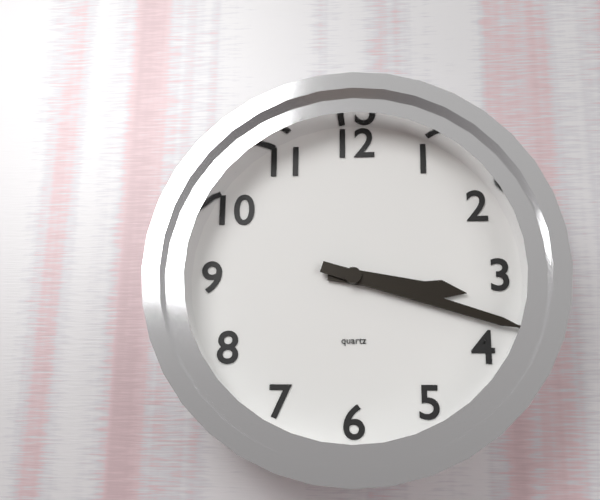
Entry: 3 h 18 min
